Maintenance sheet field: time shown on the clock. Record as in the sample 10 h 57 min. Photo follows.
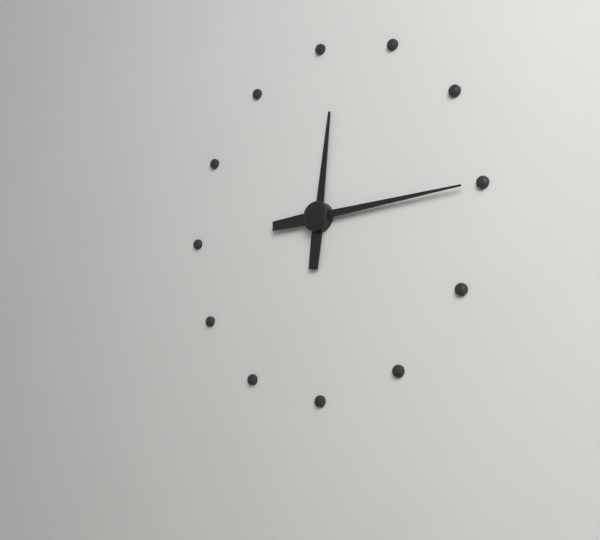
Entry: 12 h 15 min
